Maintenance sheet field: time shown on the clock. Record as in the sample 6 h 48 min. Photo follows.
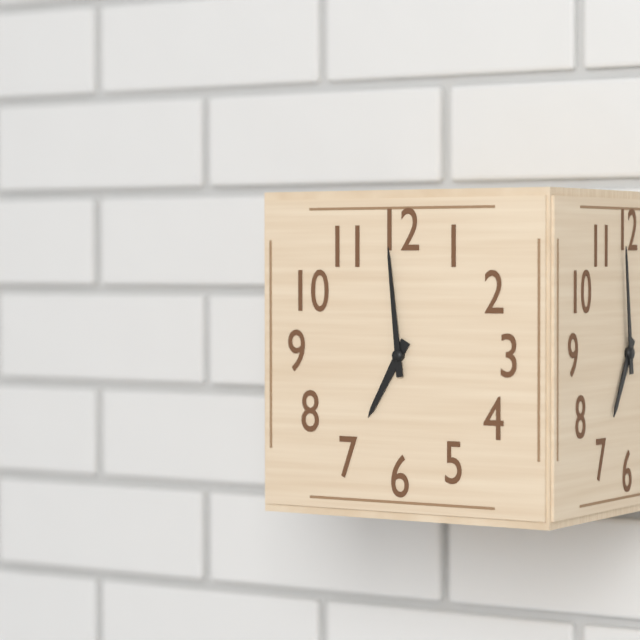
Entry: 6 h 59 min
